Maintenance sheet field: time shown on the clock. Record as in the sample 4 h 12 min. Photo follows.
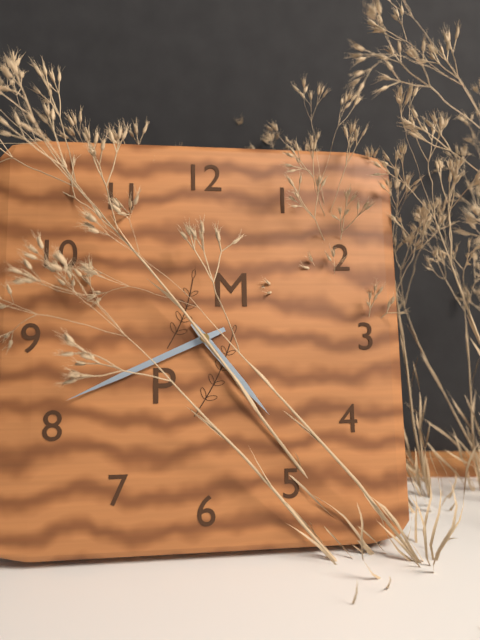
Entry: 4 h 41 min
